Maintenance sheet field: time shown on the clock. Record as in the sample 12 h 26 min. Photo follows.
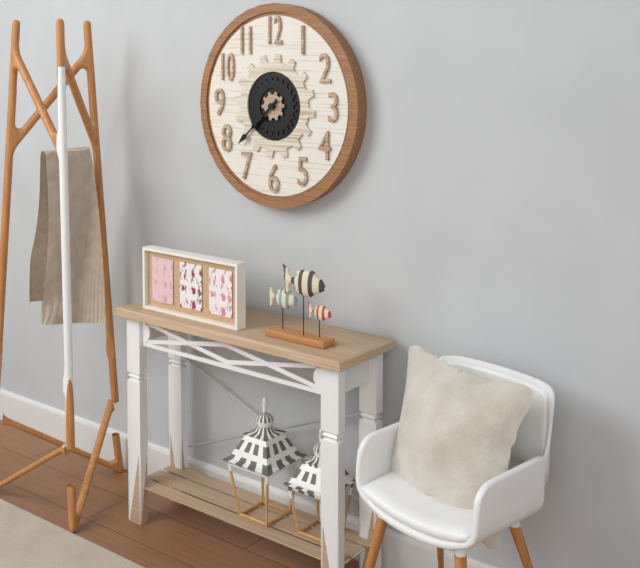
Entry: 7 h 38 min
